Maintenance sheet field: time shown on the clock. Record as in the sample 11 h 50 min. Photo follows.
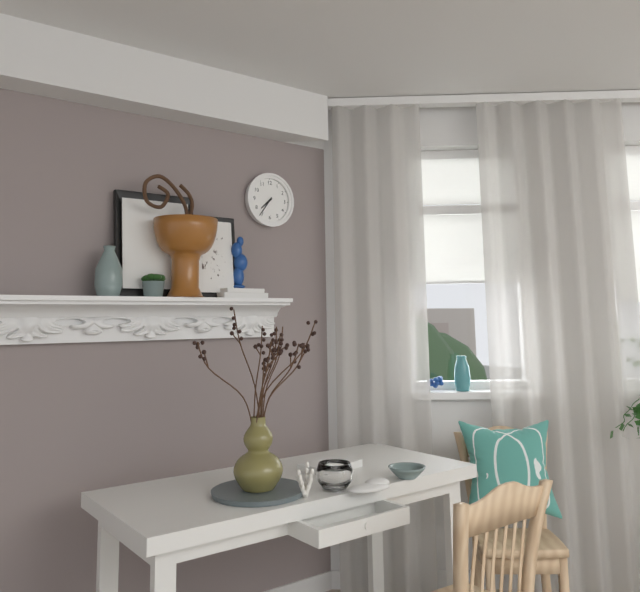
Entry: 7 h 36 min
